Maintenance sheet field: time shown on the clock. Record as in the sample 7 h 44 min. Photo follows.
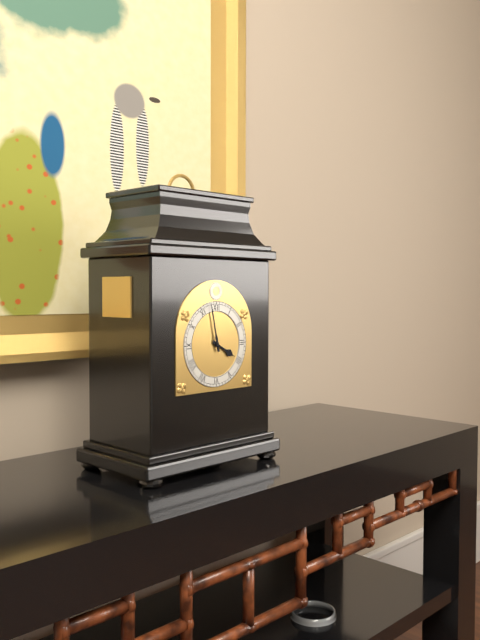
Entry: 3 h 58 min
